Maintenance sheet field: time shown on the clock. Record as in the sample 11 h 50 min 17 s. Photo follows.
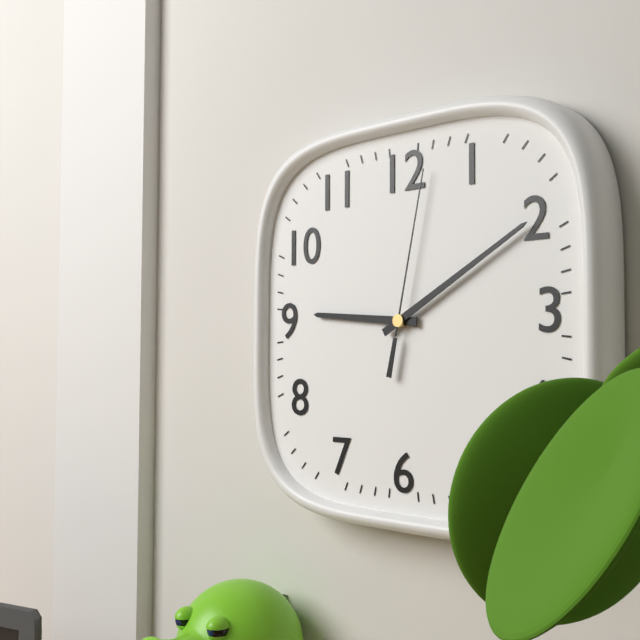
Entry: 9 h 10 min 02 s
